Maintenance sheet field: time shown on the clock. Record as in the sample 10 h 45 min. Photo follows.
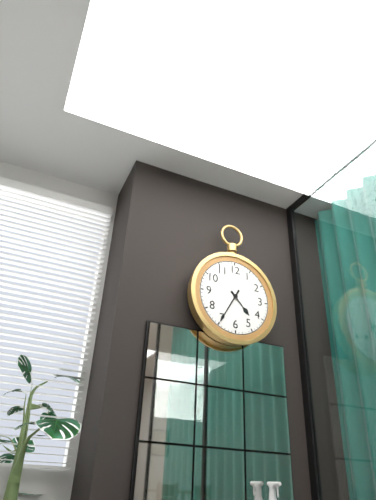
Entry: 4 h 35 min
